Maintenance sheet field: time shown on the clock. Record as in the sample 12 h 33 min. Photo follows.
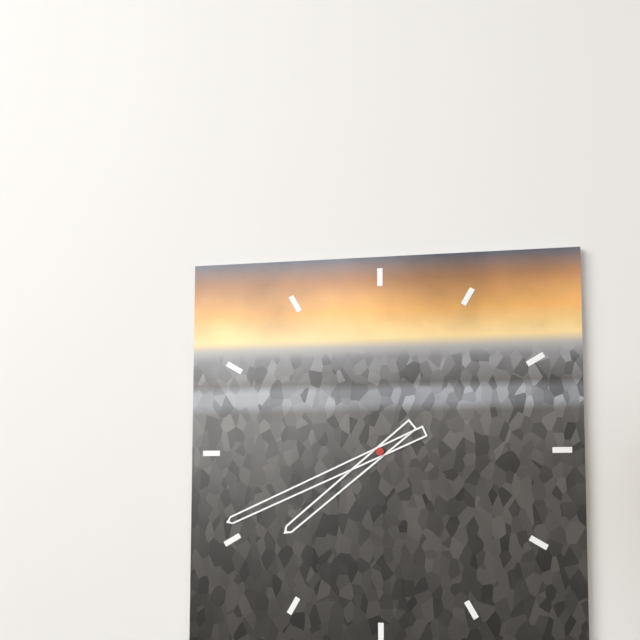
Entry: 7 h 41 min
